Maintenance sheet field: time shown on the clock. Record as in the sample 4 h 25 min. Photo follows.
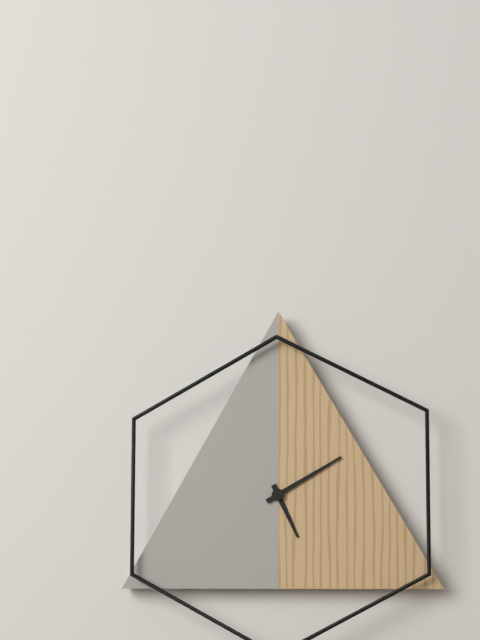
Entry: 5 h 10 min
